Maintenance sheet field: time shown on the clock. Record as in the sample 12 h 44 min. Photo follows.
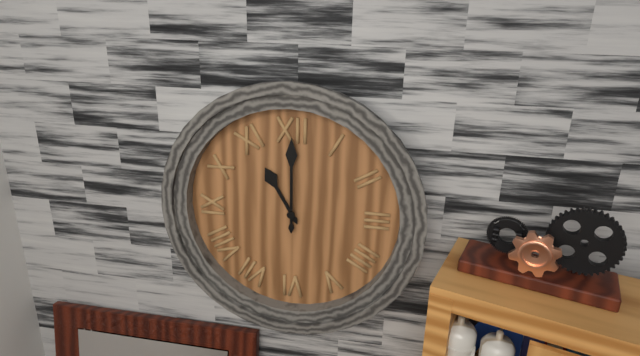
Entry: 11 h 00 min
